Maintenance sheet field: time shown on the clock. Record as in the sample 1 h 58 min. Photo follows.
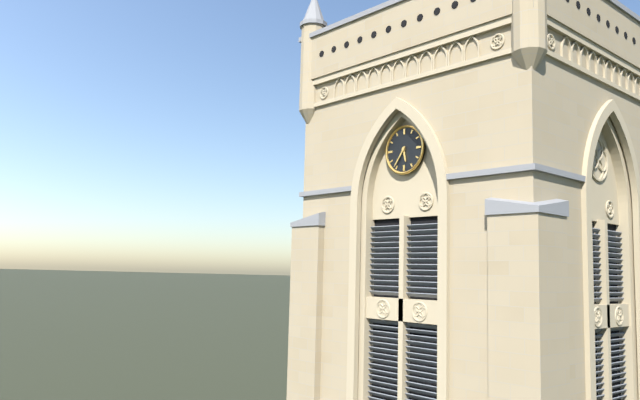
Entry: 5 h 36 min
